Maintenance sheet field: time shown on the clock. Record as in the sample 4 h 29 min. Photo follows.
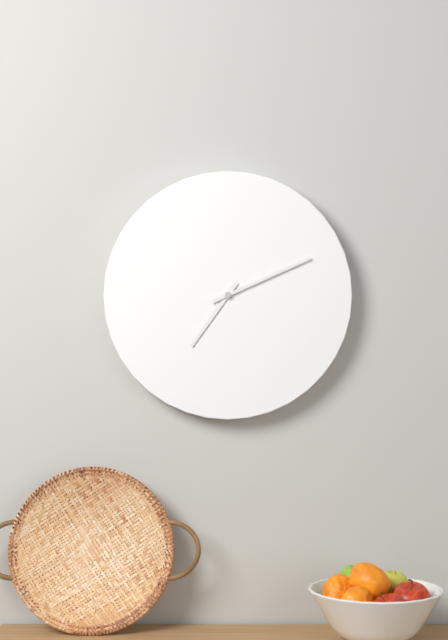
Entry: 7 h 11 min
